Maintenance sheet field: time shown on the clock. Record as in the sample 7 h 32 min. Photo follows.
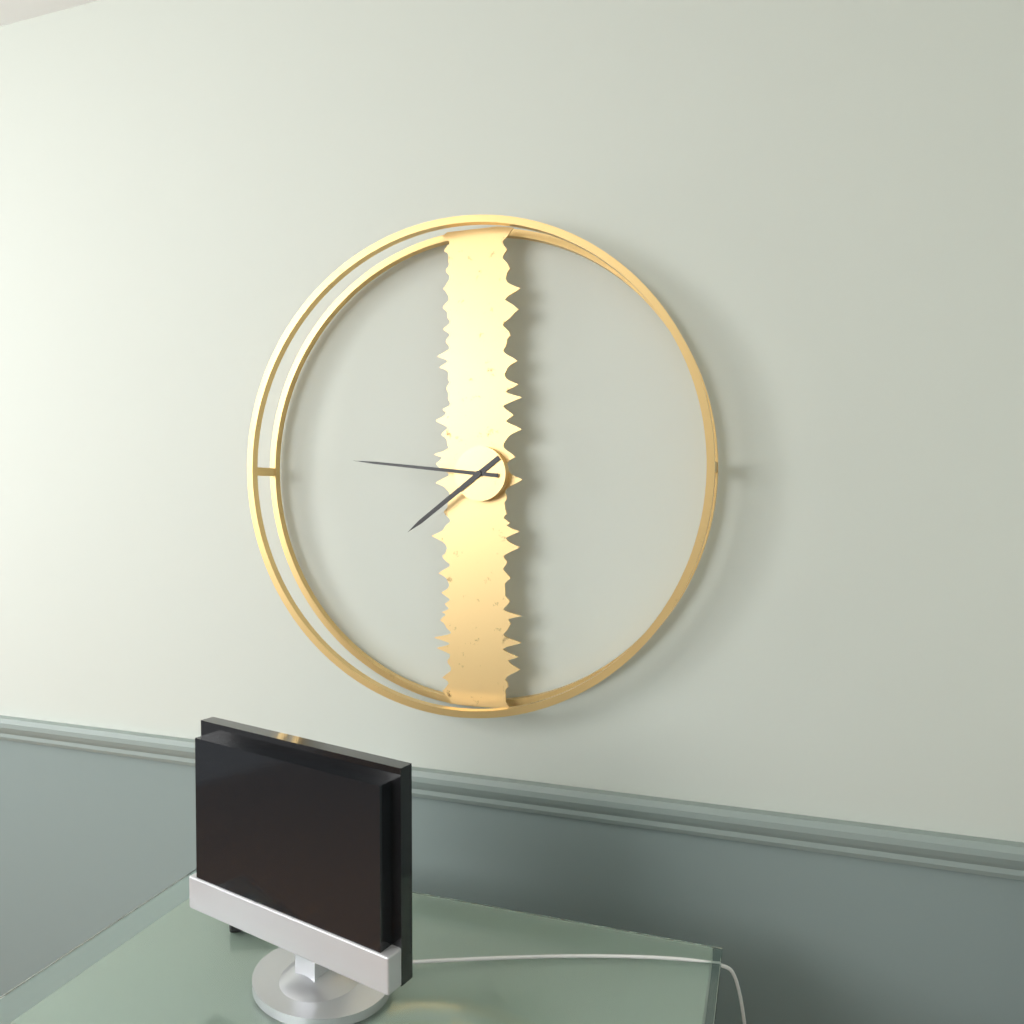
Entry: 7 h 46 min
